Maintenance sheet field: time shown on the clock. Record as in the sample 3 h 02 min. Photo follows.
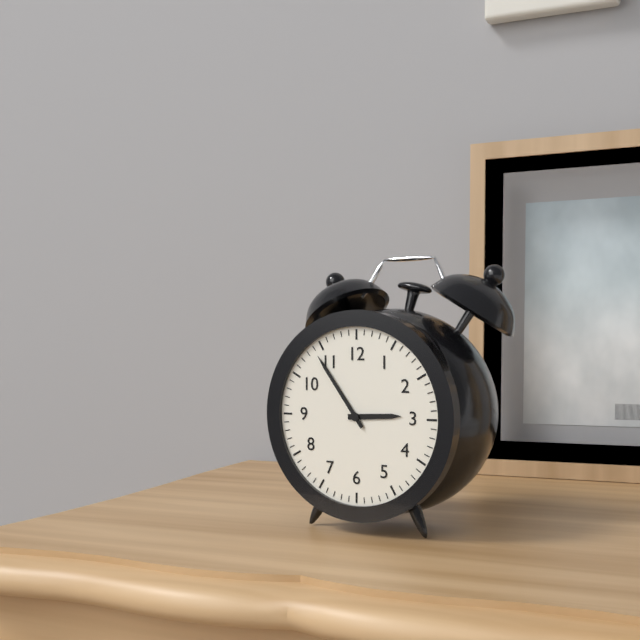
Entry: 2 h 54 min
